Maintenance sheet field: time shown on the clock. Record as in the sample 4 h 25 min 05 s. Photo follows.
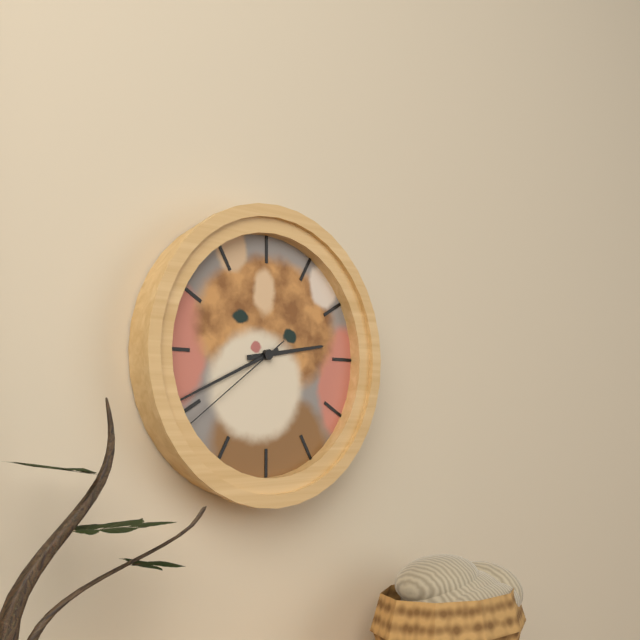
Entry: 2 h 41 min 39 s
